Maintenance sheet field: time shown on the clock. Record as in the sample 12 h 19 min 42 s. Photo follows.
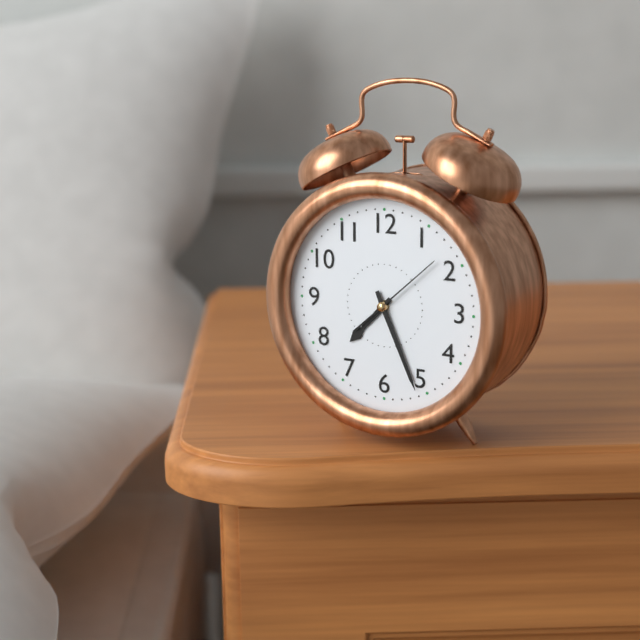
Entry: 7 h 26 min 08 s
